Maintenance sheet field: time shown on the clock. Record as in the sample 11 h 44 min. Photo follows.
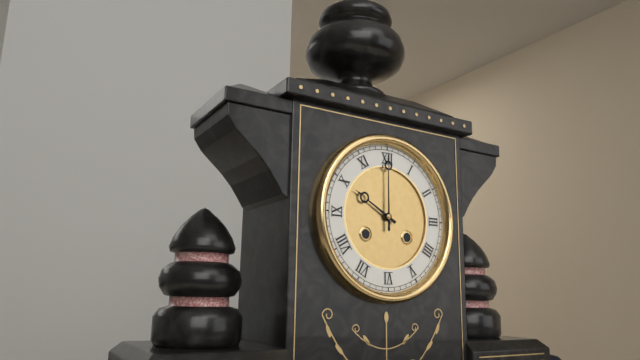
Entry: 10 h 00 min
